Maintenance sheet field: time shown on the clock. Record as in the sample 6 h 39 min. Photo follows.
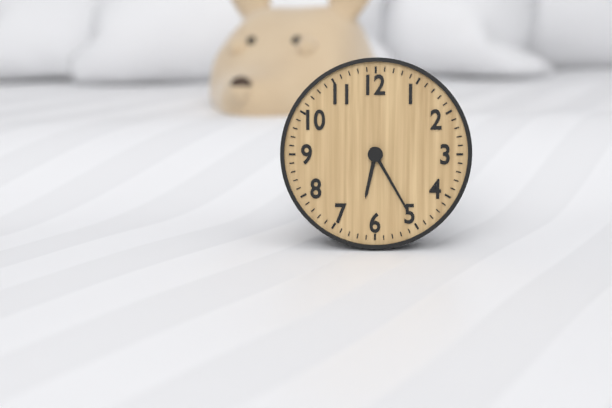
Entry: 6 h 25 min
